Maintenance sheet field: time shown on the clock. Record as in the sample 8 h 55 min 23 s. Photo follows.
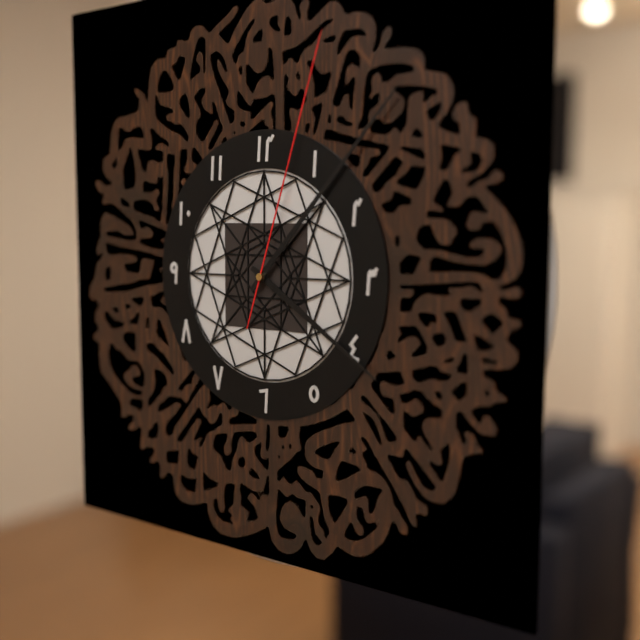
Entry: 4 h 07 min 03 s
